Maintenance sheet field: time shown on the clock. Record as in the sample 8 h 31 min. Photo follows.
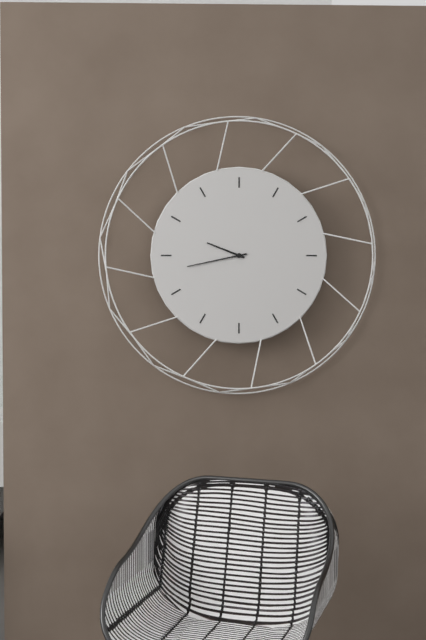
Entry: 9 h 43 min
